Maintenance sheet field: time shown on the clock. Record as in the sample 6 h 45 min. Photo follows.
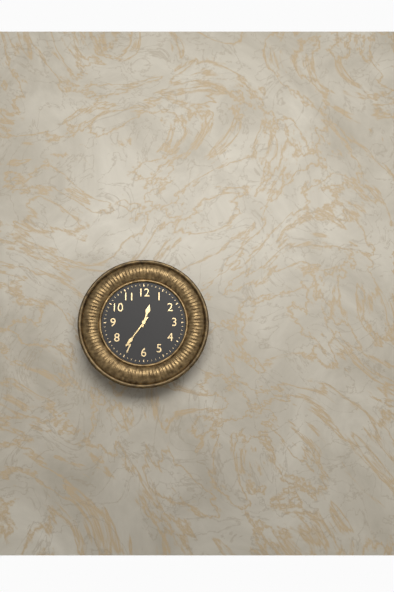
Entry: 12 h 36 min
